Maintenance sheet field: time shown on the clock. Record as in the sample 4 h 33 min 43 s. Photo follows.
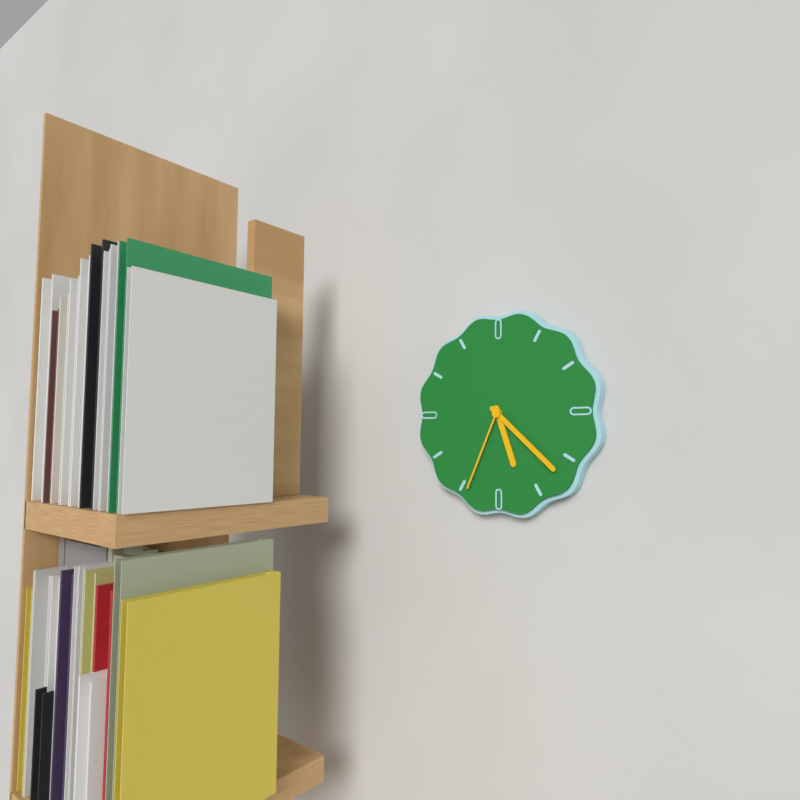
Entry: 5 h 22 min 34 s
